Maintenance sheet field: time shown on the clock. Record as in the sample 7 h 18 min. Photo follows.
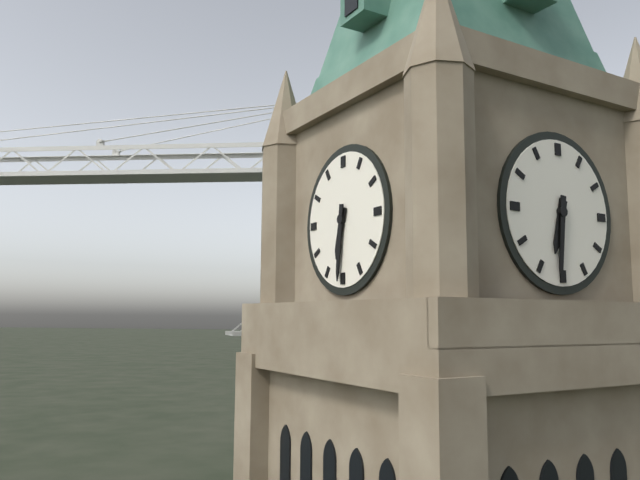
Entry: 6 h 31 min
